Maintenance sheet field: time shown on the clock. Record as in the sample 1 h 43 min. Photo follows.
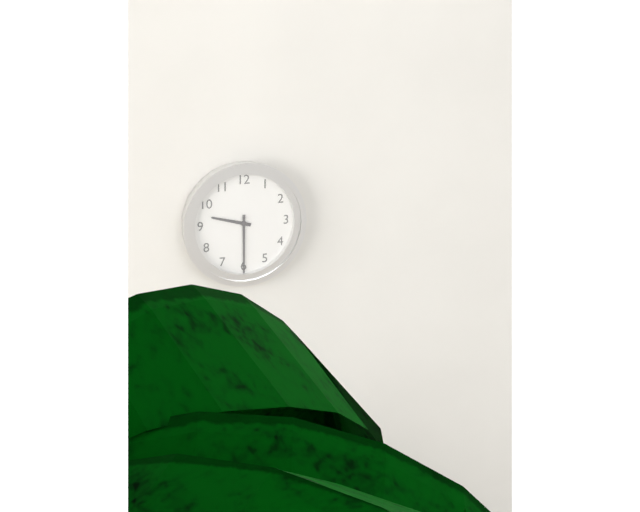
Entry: 9 h 30 min
